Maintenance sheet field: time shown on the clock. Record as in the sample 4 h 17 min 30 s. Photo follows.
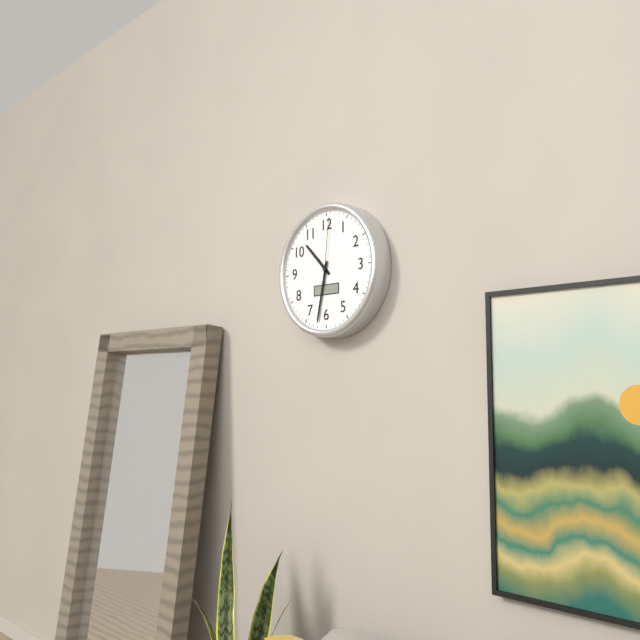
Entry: 10 h 32 min 01 s
